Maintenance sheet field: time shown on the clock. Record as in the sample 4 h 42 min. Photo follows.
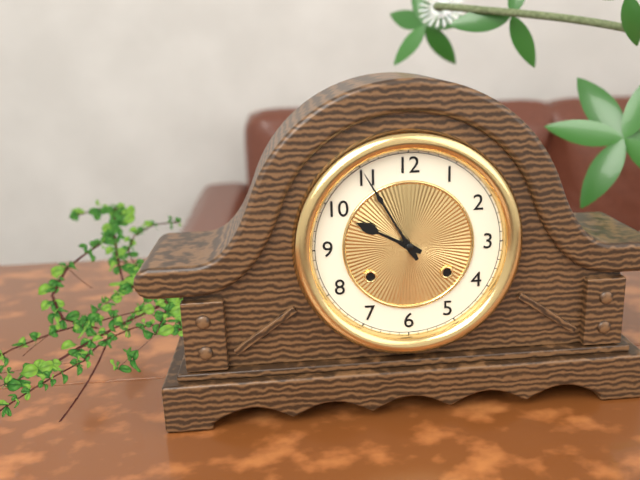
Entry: 9 h 55 min
